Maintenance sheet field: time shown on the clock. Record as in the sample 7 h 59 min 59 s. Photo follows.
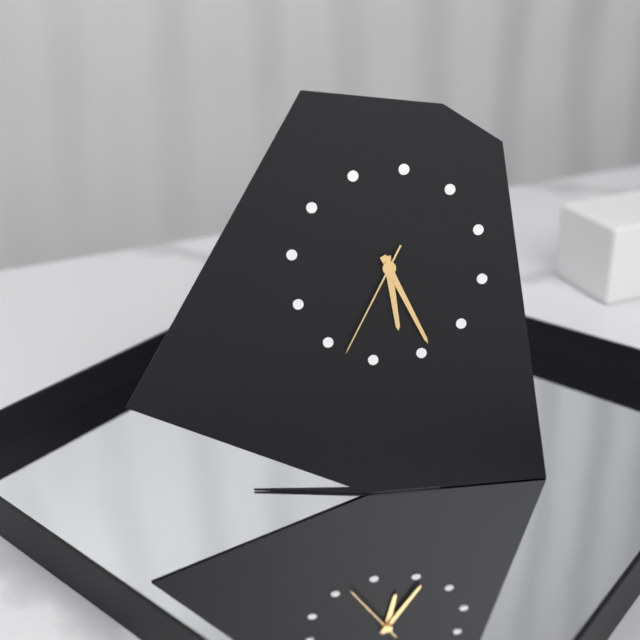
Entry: 5 h 24 min 33 s
